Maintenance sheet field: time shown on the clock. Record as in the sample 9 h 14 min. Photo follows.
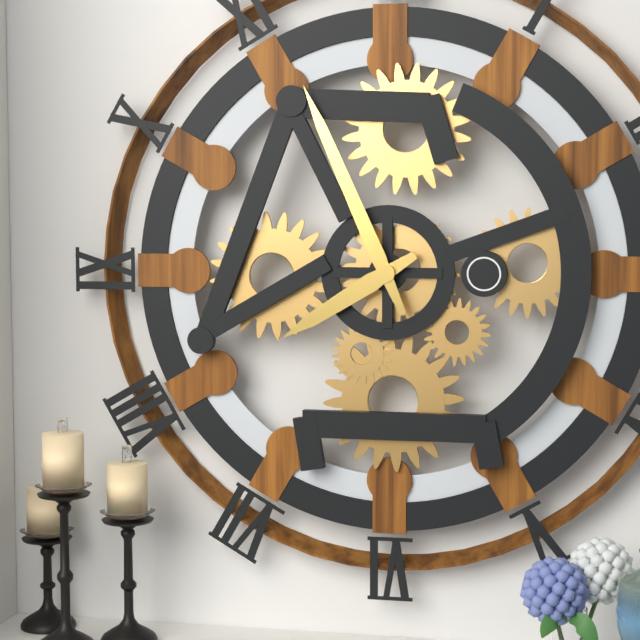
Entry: 7 h 56 min
